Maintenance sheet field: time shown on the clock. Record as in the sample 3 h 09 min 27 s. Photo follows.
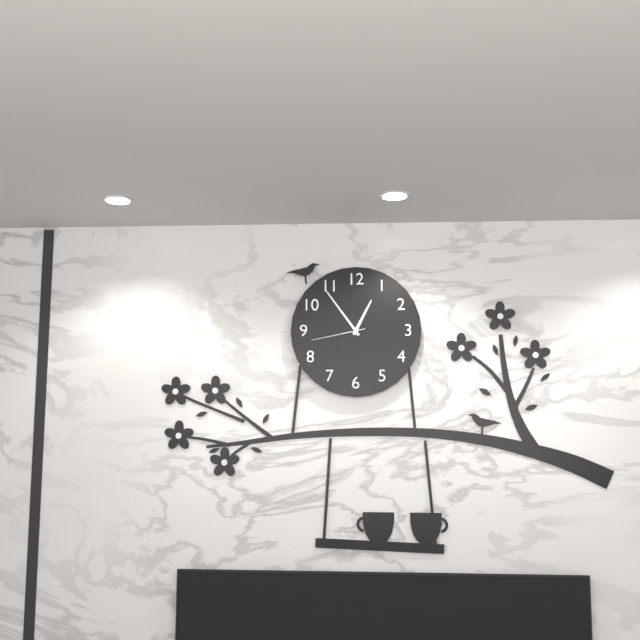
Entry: 12 h 54 min 43 s
